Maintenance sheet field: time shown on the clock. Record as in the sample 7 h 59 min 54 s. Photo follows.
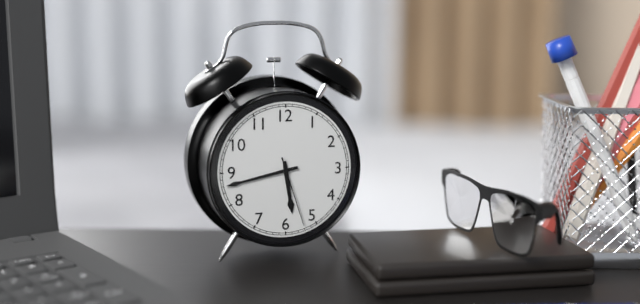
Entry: 5 h 43 min 27 s
